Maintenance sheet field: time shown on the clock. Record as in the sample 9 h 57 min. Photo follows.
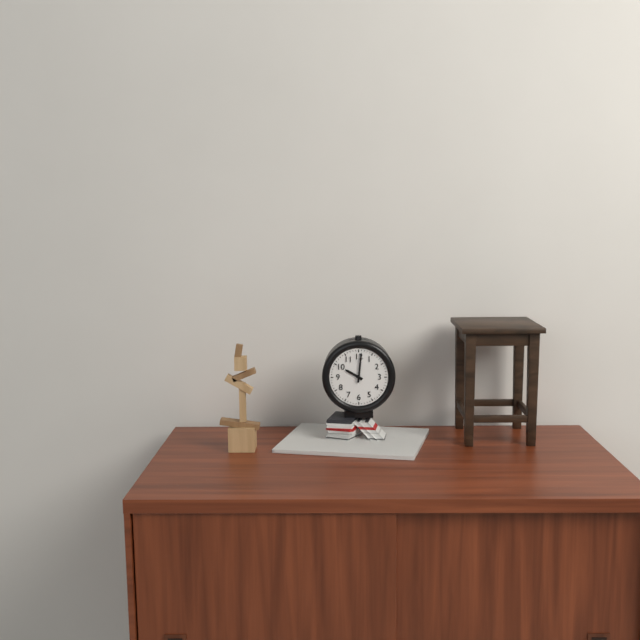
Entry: 10 h 01 min
